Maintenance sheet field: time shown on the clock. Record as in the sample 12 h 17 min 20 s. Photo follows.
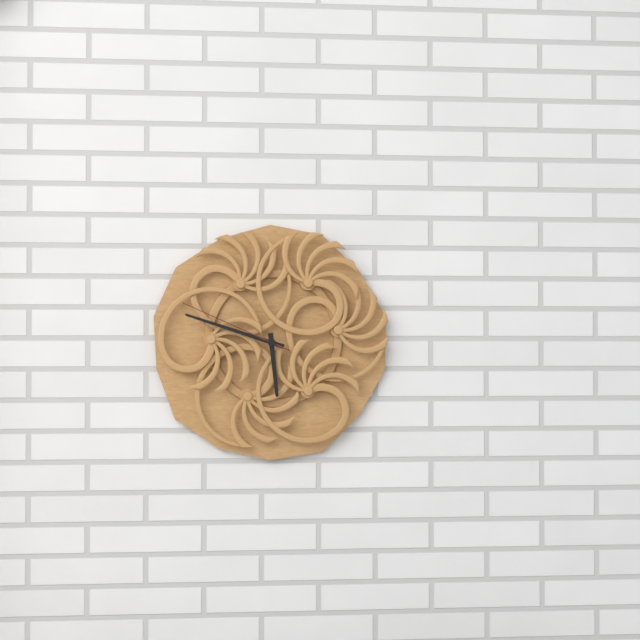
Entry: 5 h 48 min 49 s
